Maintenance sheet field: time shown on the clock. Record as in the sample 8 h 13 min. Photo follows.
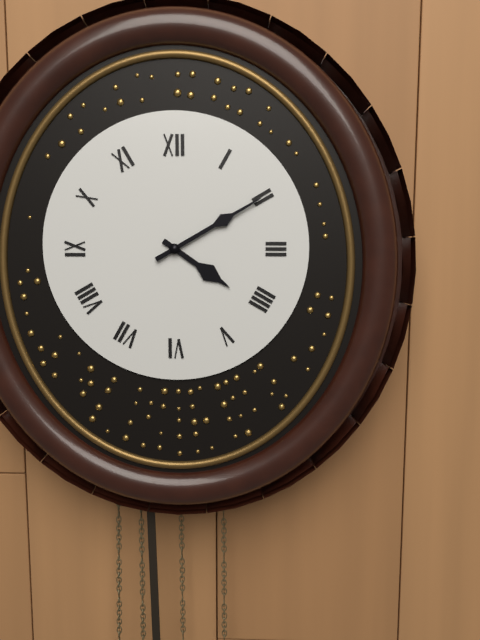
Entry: 4 h 10 min
